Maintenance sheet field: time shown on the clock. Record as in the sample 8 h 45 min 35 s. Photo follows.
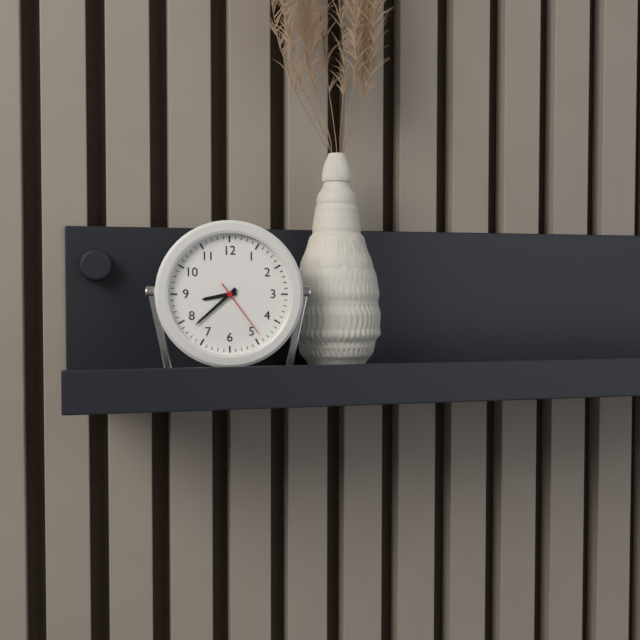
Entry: 8 h 38 min 24 s
